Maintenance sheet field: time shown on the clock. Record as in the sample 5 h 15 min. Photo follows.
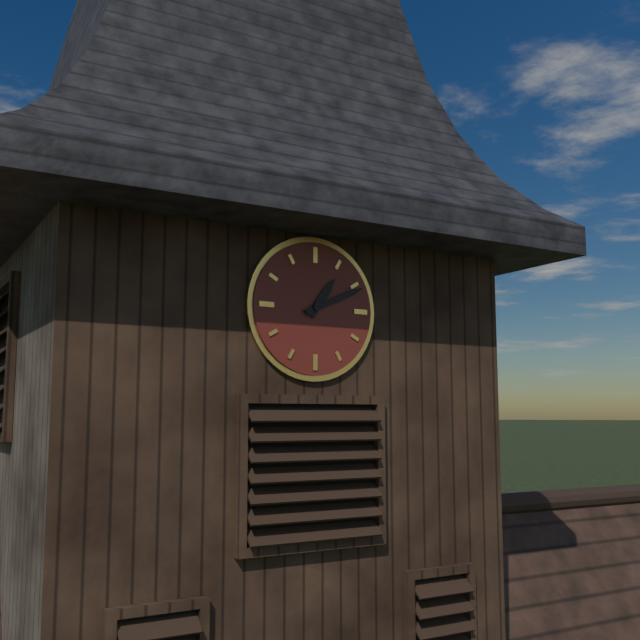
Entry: 1 h 11 min
